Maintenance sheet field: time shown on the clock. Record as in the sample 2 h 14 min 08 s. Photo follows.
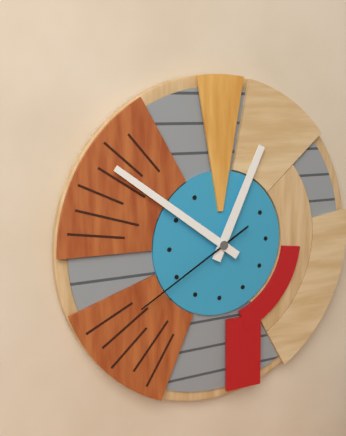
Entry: 12 h 51 min 40 s
